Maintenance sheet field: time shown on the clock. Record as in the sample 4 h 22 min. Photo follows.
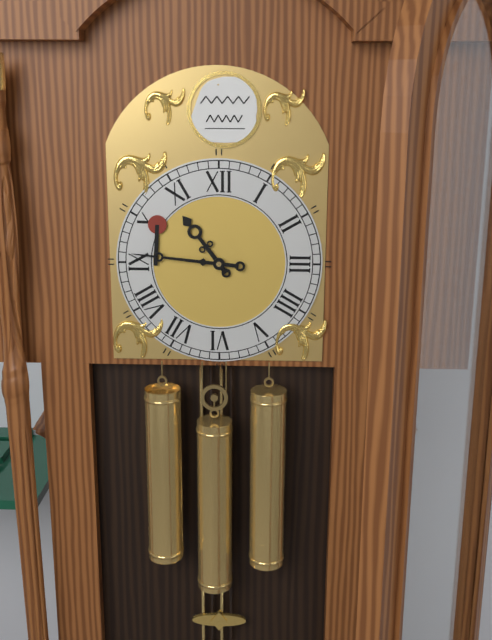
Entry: 10 h 46 min
